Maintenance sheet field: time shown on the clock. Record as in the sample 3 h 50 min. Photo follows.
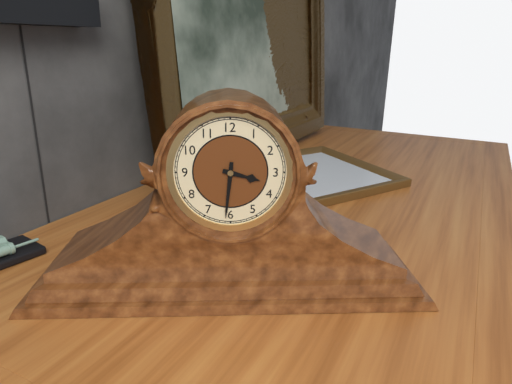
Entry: 3 h 31 min
